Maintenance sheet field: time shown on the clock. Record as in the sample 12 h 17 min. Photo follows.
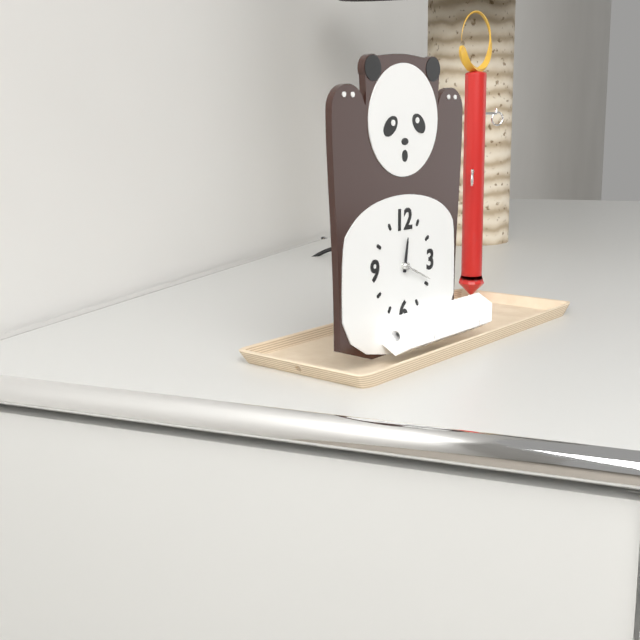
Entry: 12 h 19 min
